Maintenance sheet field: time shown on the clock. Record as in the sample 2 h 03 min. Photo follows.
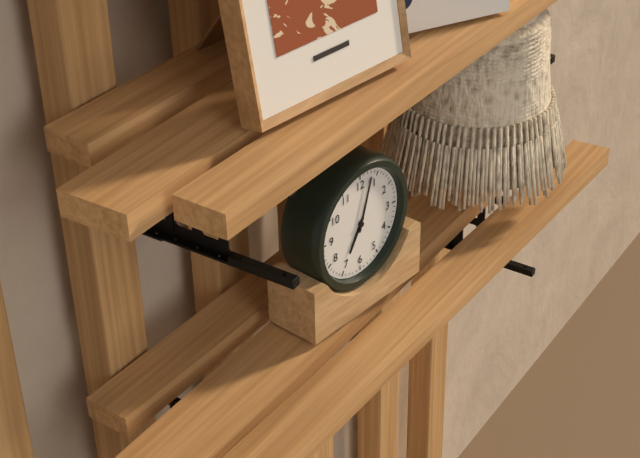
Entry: 7 h 03 min
